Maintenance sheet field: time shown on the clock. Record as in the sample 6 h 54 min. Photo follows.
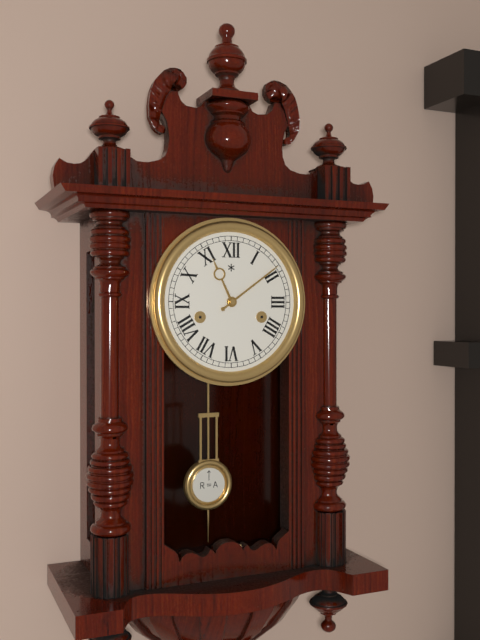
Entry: 11 h 09 min
